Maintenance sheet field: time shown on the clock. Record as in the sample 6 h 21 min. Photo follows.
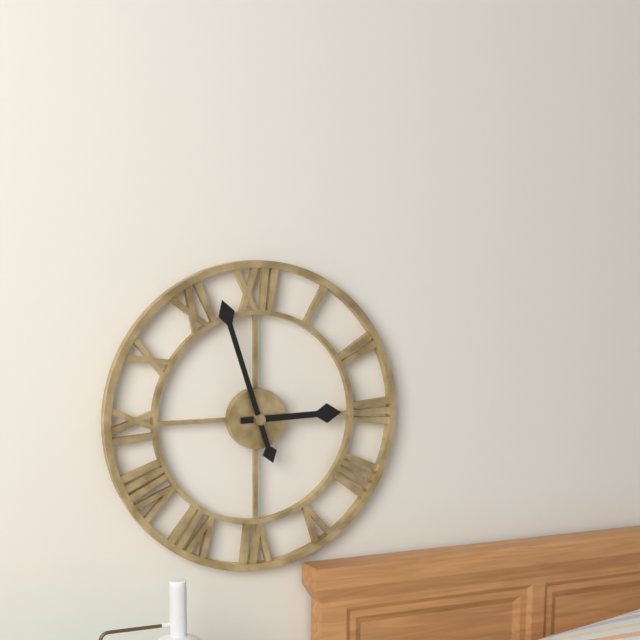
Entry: 2 h 57 min
